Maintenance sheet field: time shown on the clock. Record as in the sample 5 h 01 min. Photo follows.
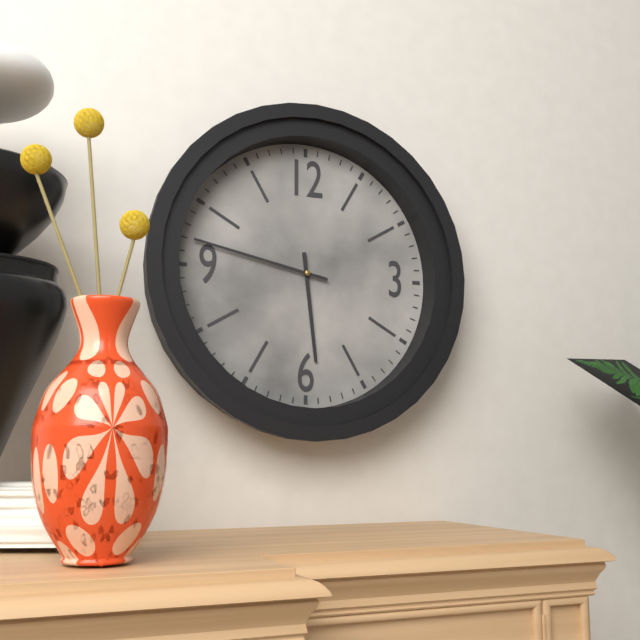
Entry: 5 h 47 min
